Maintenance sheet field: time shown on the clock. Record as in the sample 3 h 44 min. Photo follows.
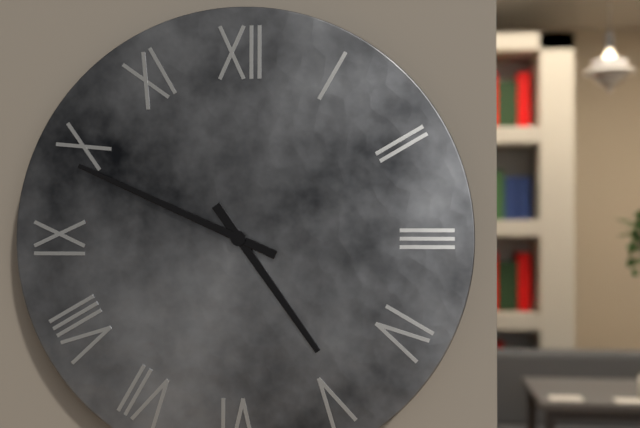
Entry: 4 h 49 min
